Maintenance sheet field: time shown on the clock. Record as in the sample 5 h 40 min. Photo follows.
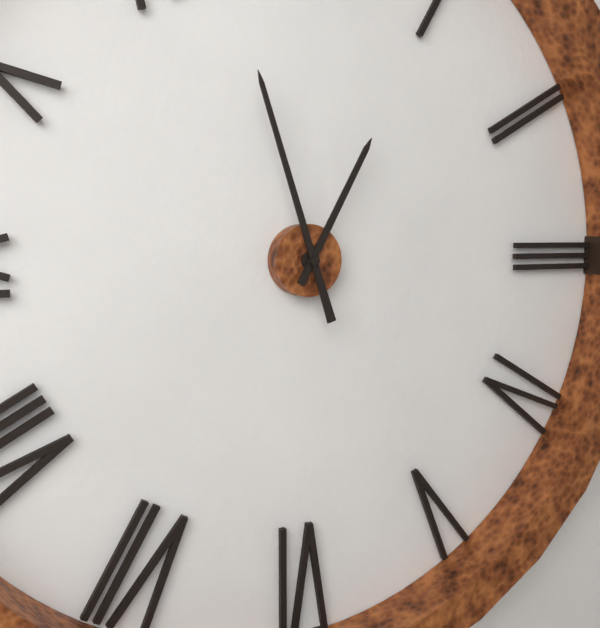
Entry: 12 h 57 min
